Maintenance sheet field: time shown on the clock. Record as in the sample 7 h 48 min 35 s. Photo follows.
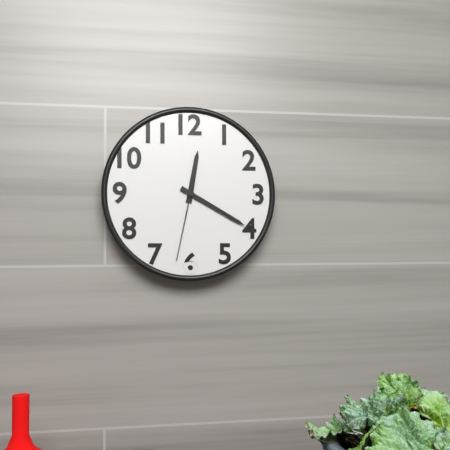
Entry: 12 h 20 min 32 s
